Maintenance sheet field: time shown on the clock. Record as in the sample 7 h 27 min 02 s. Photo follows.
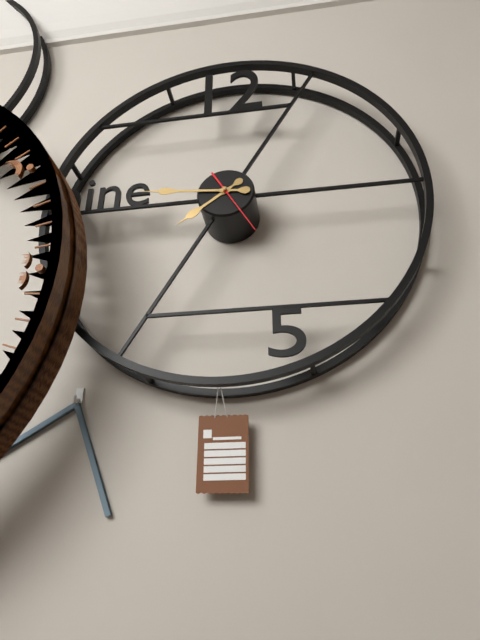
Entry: 7 h 46 min 25 s
